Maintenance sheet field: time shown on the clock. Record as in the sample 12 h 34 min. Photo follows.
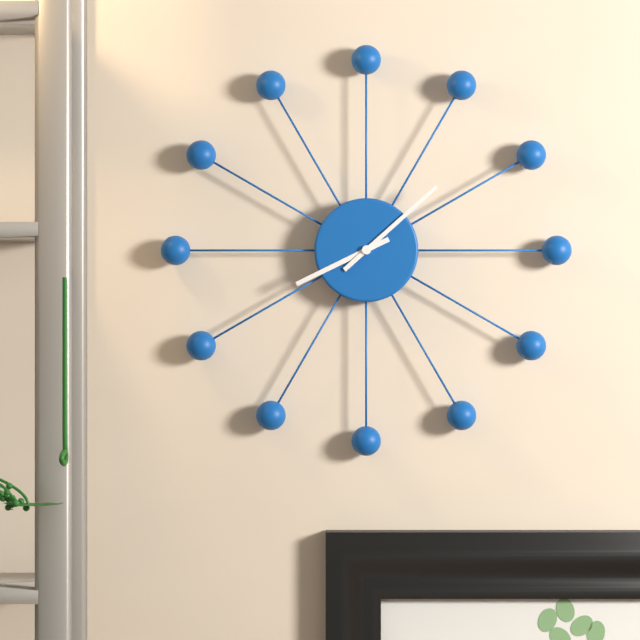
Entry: 8 h 08 min
